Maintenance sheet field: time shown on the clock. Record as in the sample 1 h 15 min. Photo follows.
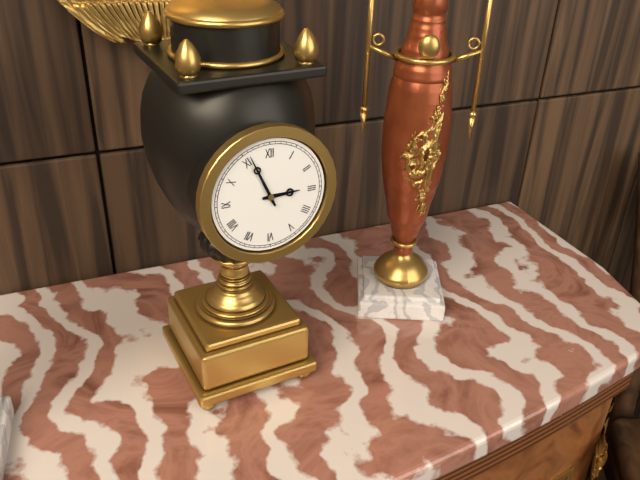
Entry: 2 h 56 min
